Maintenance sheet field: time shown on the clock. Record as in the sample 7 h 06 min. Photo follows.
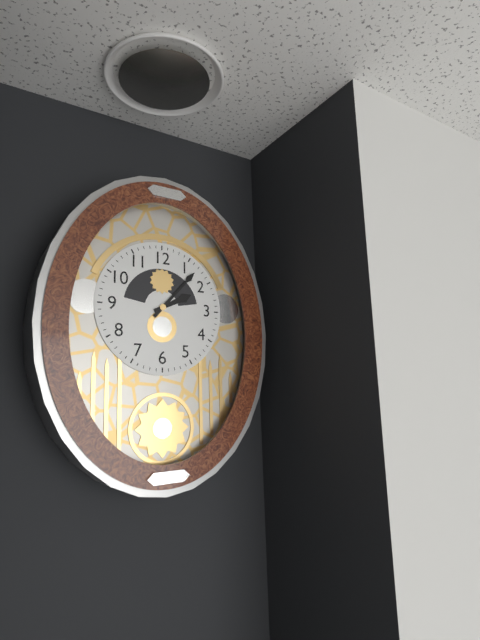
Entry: 2 h 07 min
